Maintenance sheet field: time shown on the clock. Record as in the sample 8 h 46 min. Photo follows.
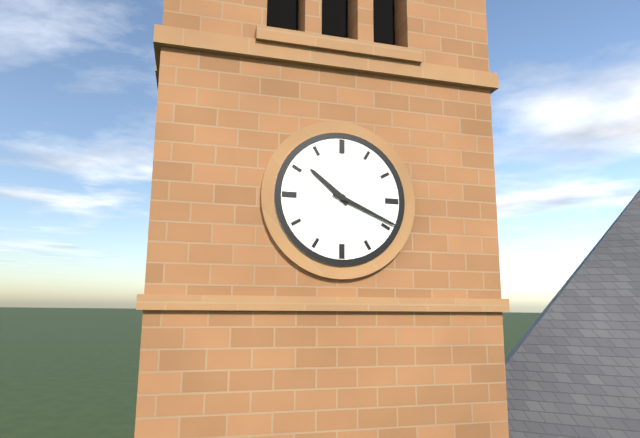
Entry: 10 h 19 min
